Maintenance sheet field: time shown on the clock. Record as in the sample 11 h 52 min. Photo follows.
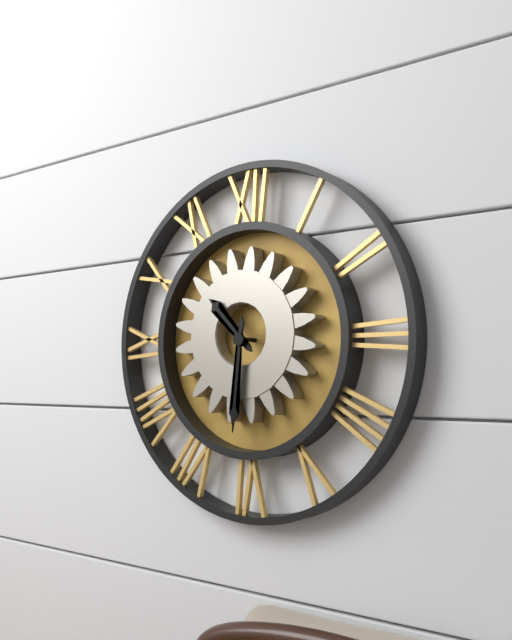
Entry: 10 h 31 min
